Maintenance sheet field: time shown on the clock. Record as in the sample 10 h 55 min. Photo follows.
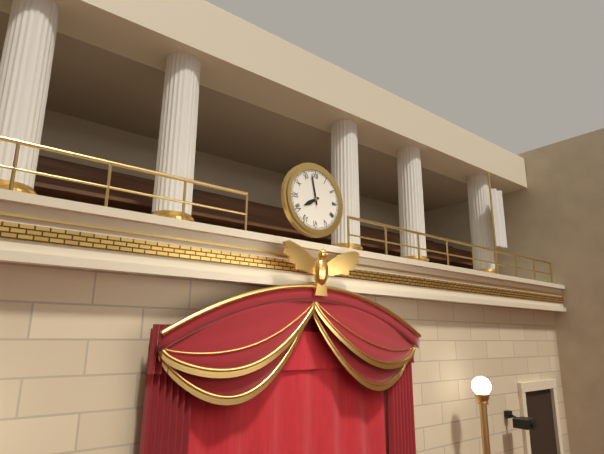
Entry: 7 h 58 min
